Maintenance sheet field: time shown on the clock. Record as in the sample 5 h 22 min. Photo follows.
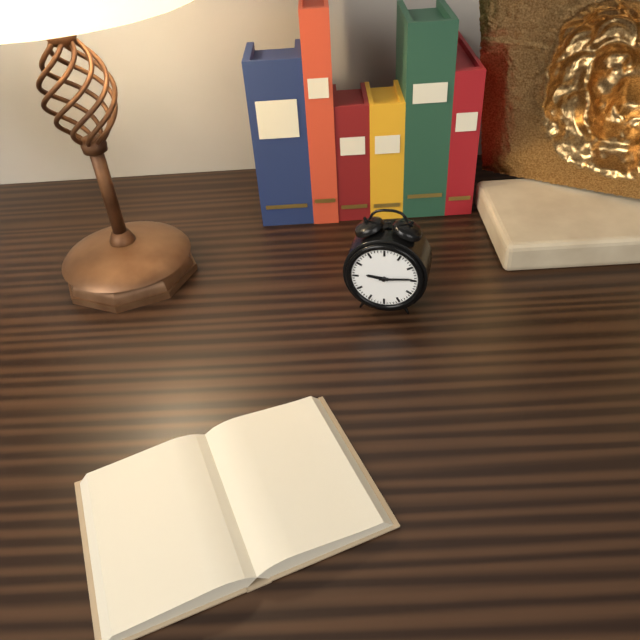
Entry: 9 h 14 min
